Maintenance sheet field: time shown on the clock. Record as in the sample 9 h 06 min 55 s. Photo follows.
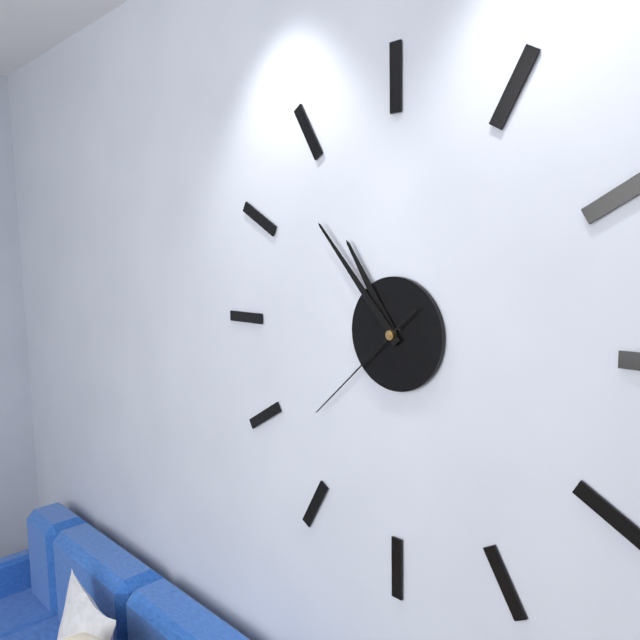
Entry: 10 h 53 min 38 s
